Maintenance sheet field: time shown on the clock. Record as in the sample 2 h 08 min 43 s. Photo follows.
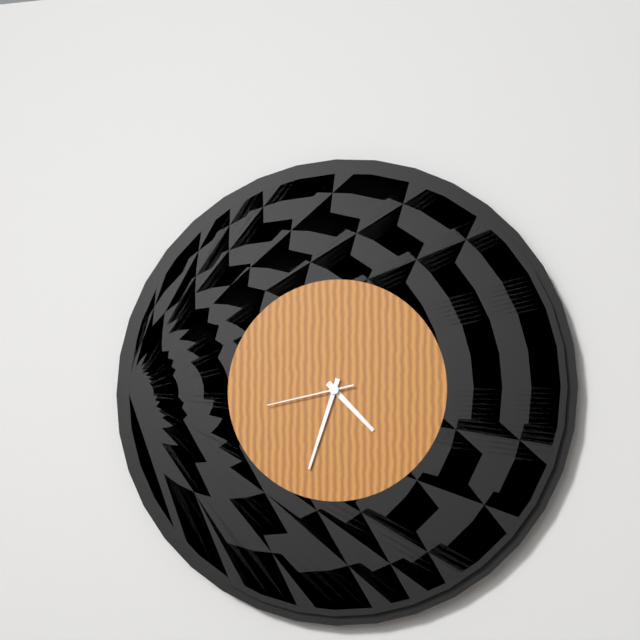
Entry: 4 h 33 min 43 s
